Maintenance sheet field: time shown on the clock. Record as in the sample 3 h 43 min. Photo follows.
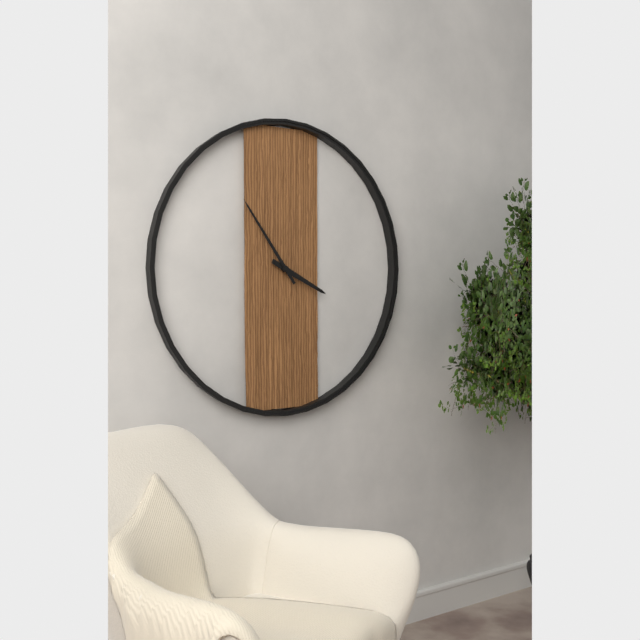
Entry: 3 h 54 min
